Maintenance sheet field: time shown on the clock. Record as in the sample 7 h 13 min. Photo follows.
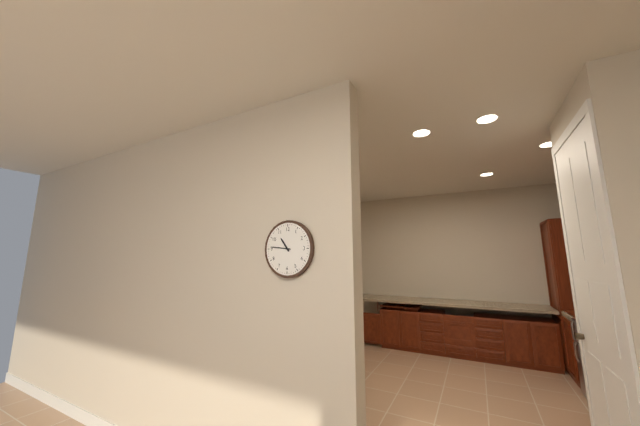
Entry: 10 h 46 min
